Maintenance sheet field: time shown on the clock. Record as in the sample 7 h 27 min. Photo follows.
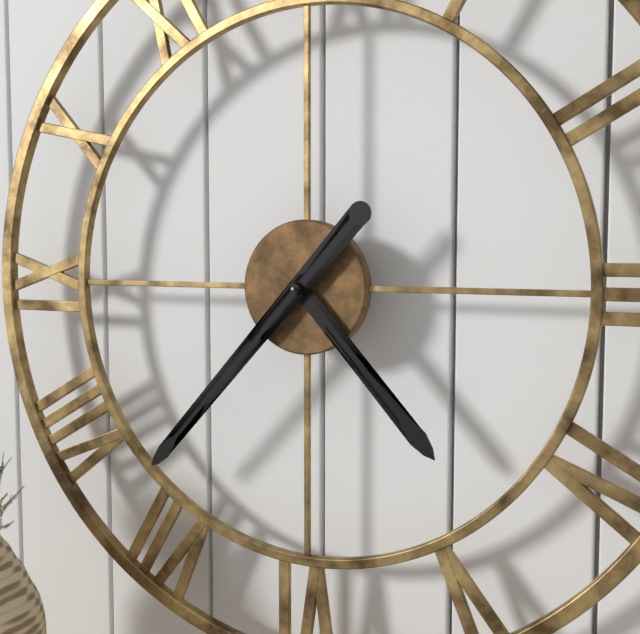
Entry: 4 h 37 min
